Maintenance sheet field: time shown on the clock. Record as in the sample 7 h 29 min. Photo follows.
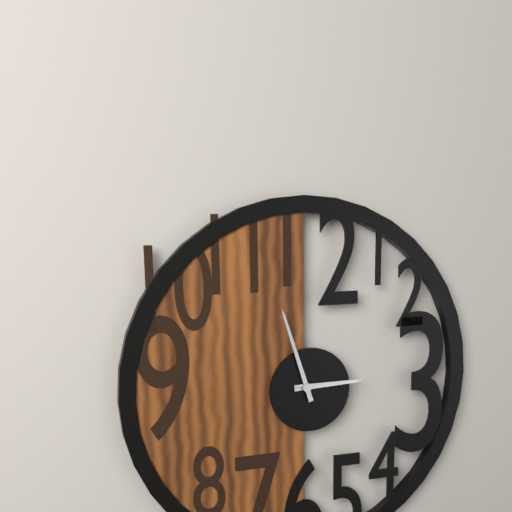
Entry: 2 h 57 min
